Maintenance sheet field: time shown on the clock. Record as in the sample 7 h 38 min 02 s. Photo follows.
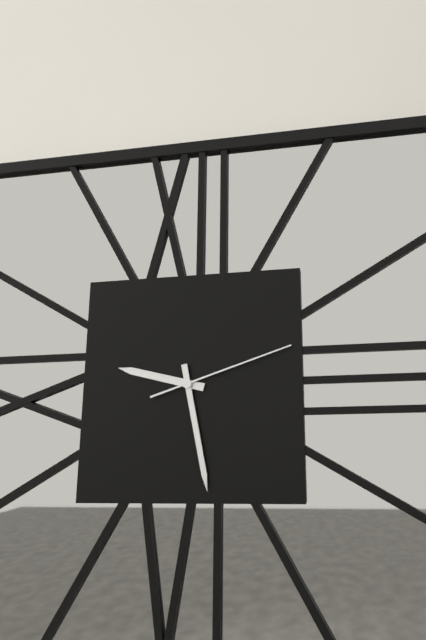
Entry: 9 h 28 min 12 s
